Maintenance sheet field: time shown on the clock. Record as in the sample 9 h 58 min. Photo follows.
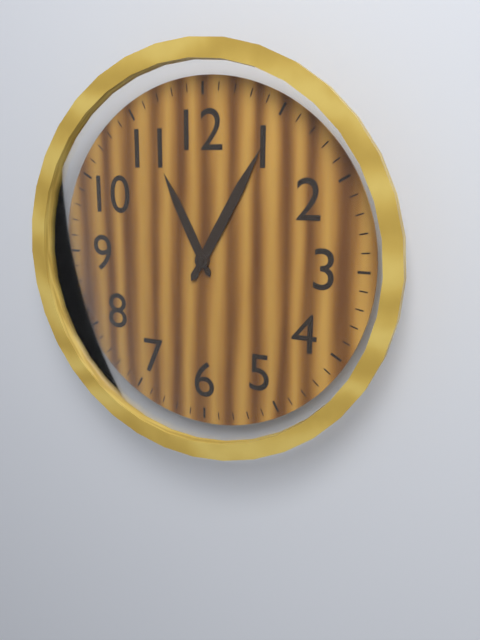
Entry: 11 h 05 min
